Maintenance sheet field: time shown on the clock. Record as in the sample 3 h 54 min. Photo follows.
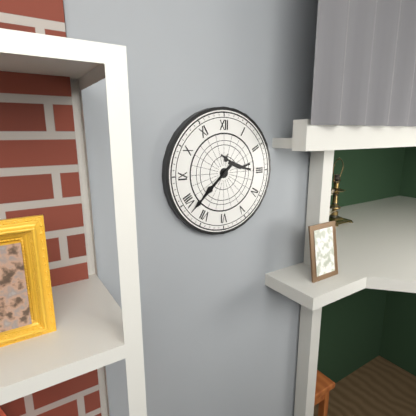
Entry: 7 h 38 min
